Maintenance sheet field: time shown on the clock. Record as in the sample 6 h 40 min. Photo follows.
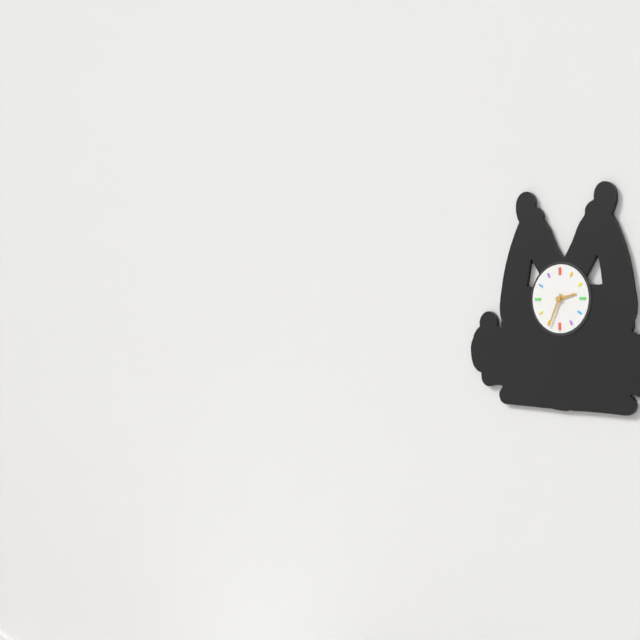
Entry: 2 h 34 min
